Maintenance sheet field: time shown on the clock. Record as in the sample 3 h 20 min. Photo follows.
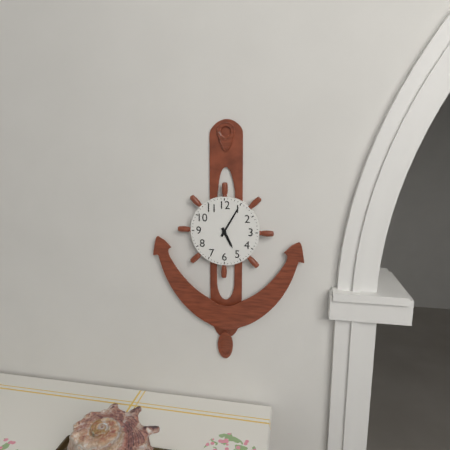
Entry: 5 h 05 min
